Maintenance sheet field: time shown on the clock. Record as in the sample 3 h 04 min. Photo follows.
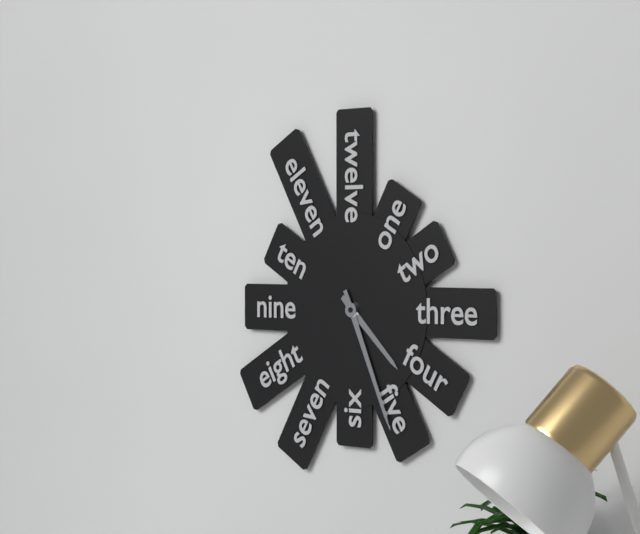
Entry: 4 h 26 min
